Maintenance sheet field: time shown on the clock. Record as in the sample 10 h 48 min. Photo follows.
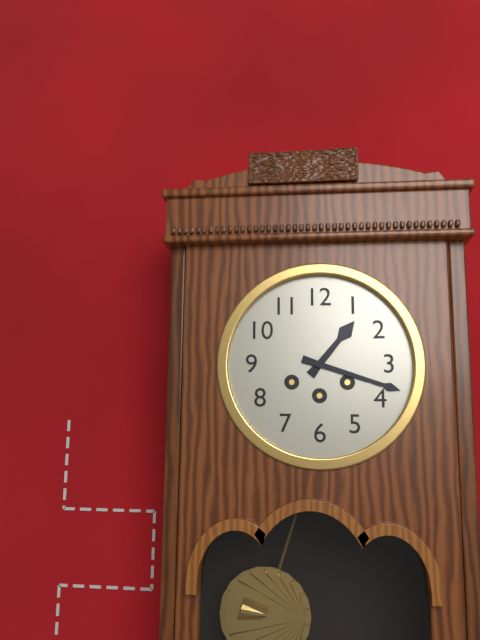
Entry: 1 h 18 min
